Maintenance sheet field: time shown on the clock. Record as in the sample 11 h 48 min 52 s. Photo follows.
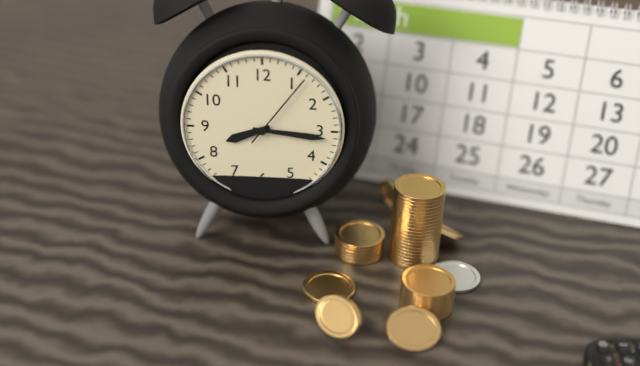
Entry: 8 h 16 min 06 s
